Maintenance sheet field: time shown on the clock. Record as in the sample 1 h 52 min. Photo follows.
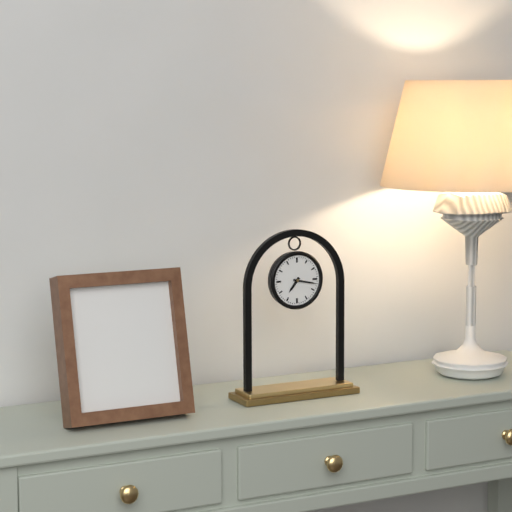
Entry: 7 h 17 min
